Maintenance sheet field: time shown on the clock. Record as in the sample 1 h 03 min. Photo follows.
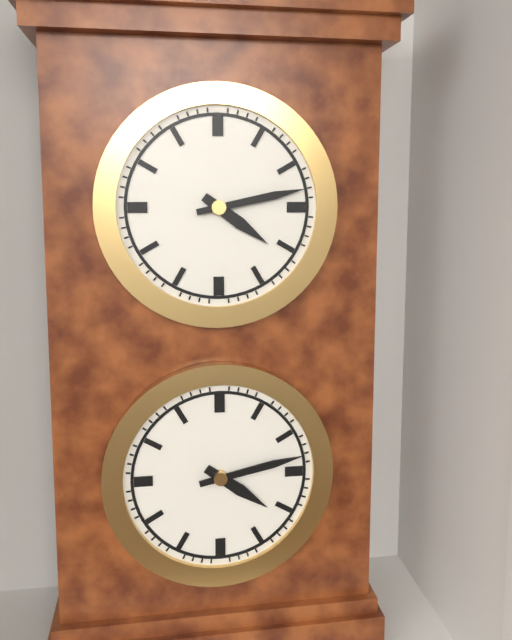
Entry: 4 h 13 min
